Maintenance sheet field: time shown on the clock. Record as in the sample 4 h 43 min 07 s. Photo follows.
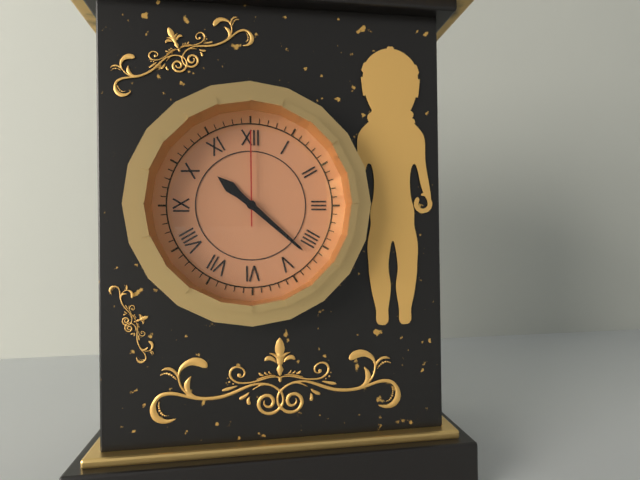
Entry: 10 h 22 min 00 s
